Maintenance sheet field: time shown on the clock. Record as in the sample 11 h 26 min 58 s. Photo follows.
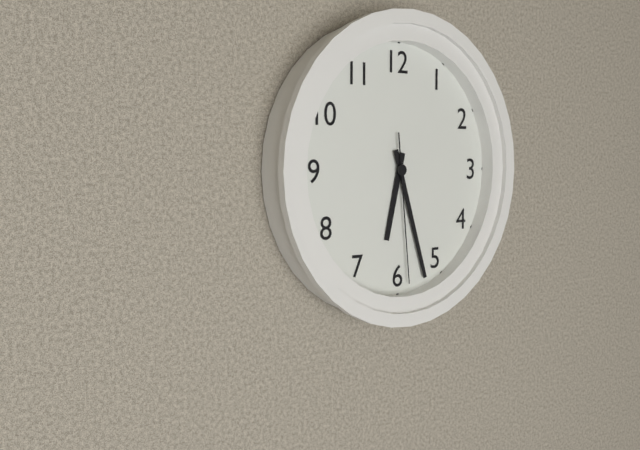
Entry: 6 h 27 min 29 s
